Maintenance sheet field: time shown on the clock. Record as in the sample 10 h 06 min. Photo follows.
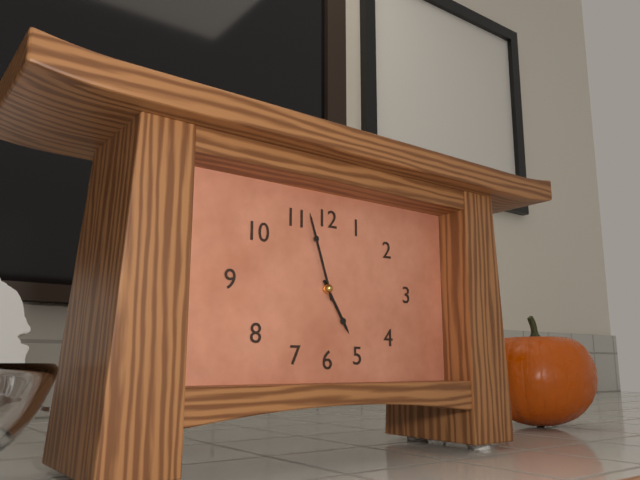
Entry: 4 h 57 min
